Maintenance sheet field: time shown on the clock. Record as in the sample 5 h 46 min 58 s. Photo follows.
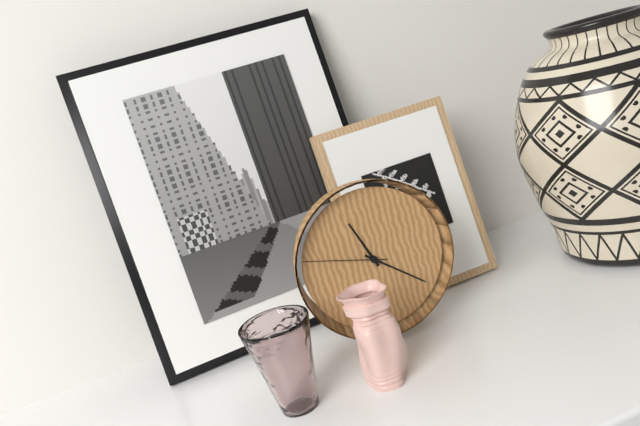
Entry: 11 h 22 min 48 s
